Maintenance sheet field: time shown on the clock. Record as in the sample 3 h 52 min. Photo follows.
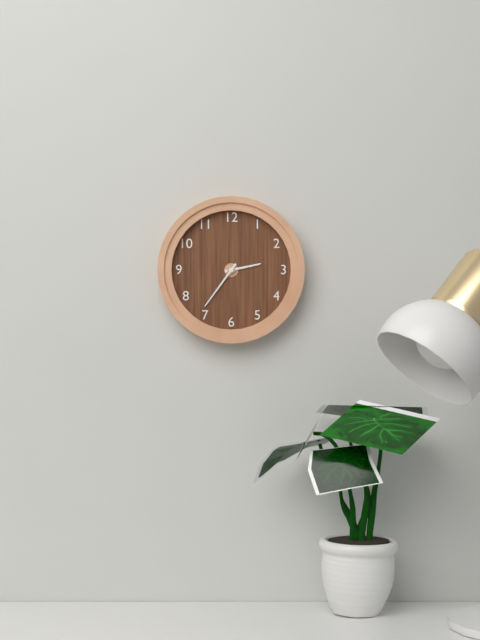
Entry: 2 h 36 min
